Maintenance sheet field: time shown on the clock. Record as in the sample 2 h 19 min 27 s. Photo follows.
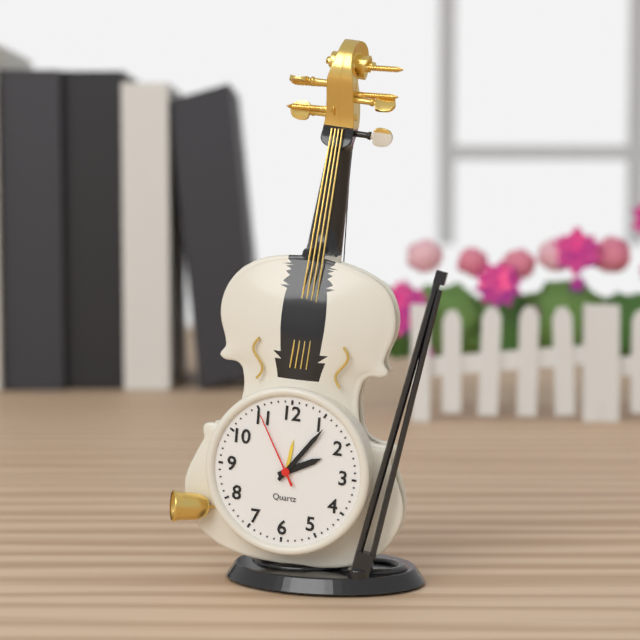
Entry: 2 h 06 min 55 s
